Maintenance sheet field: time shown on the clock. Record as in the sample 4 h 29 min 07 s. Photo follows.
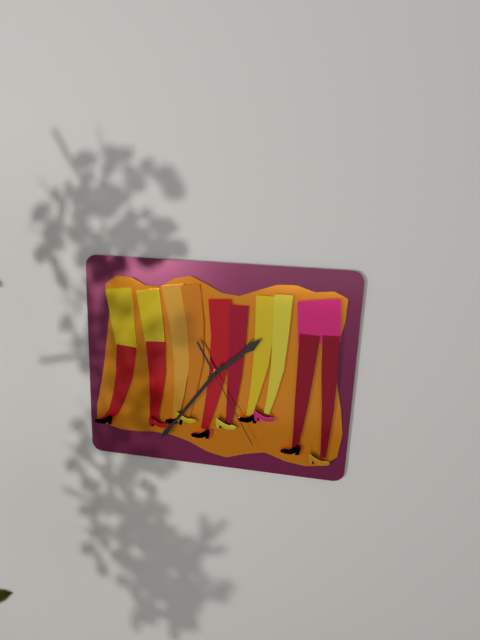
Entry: 1 h 36 min 25 s
